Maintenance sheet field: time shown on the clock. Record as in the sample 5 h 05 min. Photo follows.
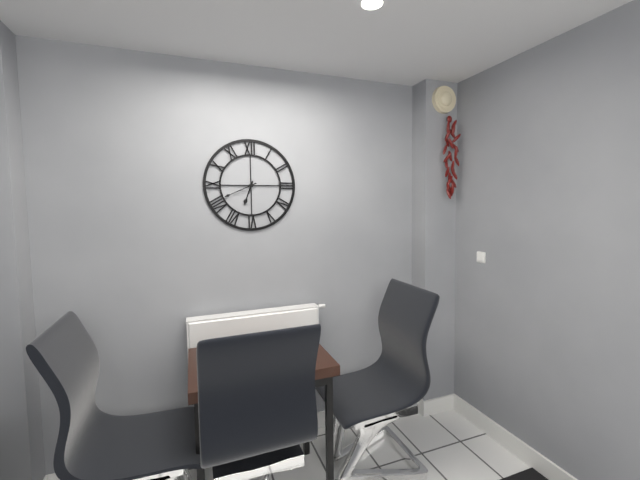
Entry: 6 h 41 min
